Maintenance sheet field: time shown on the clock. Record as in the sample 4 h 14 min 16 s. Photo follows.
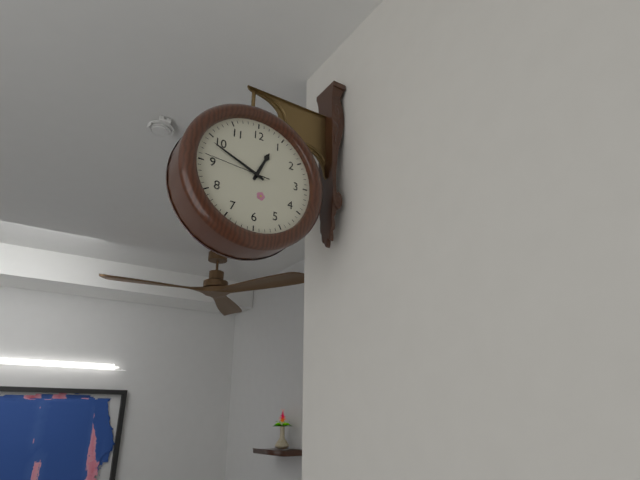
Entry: 12 h 49 min 46 s
